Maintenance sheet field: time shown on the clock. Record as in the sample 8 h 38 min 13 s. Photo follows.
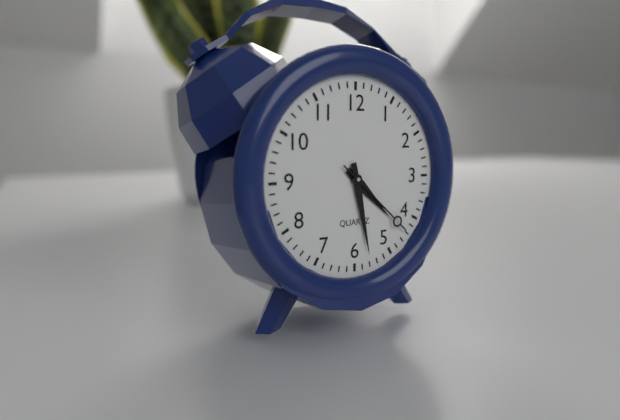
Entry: 4 h 28 min 22 s
